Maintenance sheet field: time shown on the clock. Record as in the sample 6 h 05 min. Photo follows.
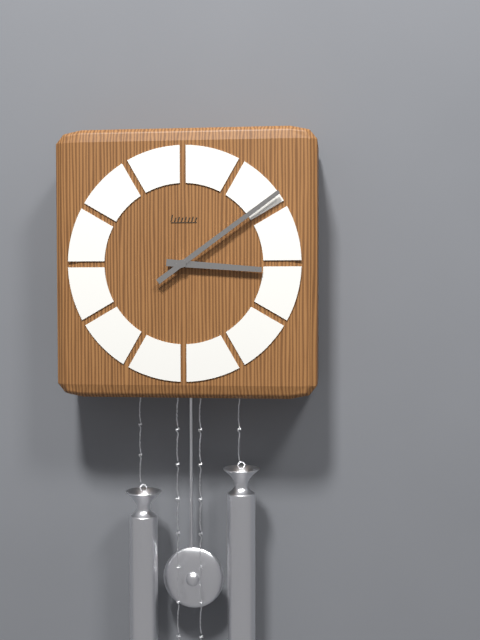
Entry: 3 h 09 min
